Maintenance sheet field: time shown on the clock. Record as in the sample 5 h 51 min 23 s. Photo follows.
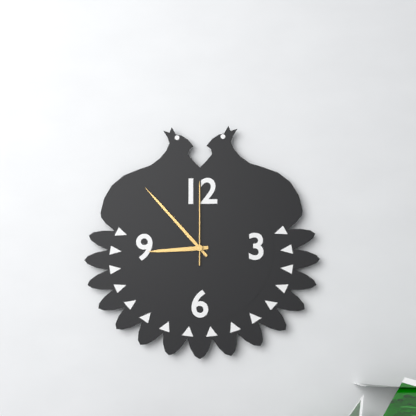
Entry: 8 h 53 min 00 s
